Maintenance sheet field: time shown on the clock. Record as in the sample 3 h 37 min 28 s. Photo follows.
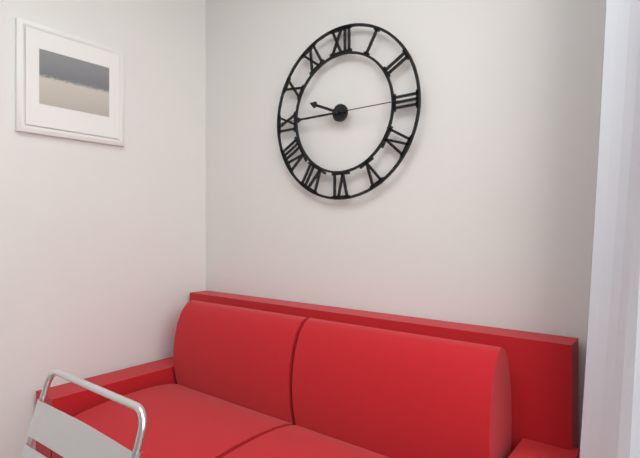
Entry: 9 h 45 min 45 s
